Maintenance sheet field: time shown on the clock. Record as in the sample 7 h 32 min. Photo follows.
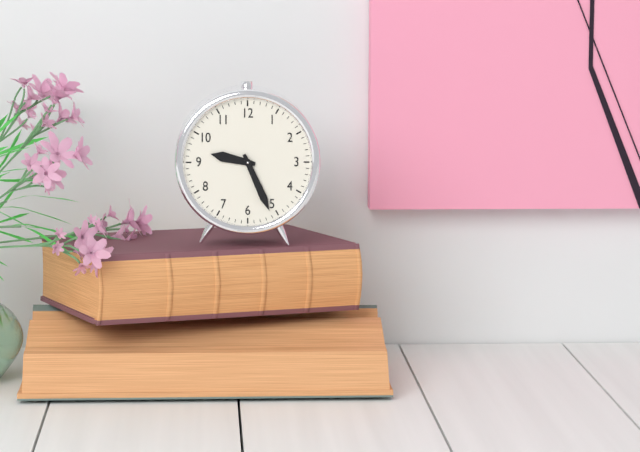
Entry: 9 h 26 min
